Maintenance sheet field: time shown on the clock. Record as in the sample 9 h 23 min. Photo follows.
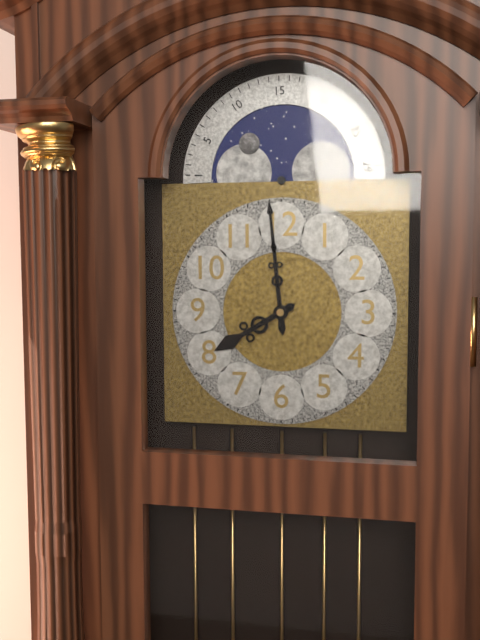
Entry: 7 h 59 min
